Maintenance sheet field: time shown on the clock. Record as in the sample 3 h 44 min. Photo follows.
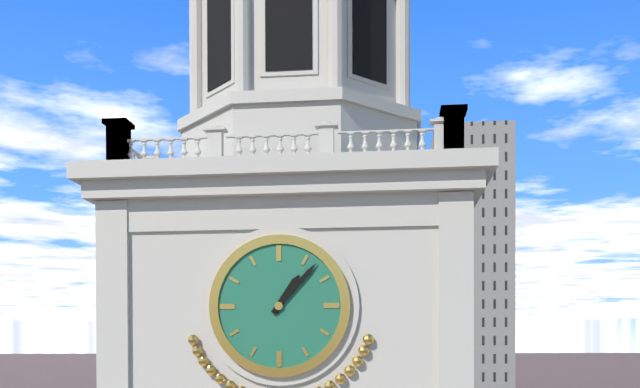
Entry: 1 h 07 min
